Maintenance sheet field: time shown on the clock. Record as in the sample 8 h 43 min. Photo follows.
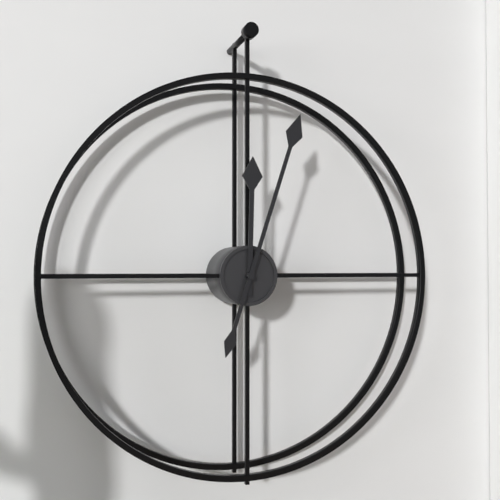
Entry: 12 h 03 min
